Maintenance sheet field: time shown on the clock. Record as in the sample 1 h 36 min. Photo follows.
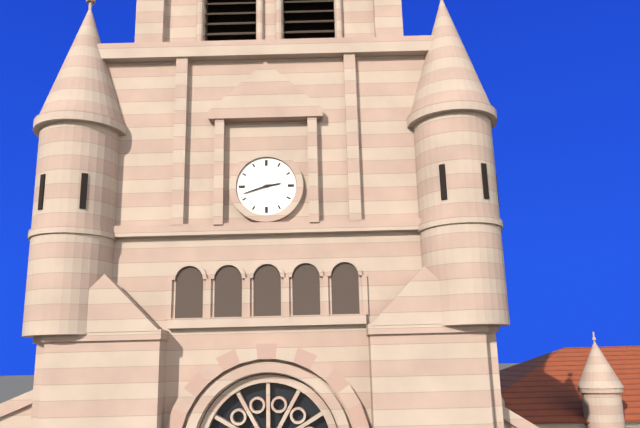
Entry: 2 h 42 min
